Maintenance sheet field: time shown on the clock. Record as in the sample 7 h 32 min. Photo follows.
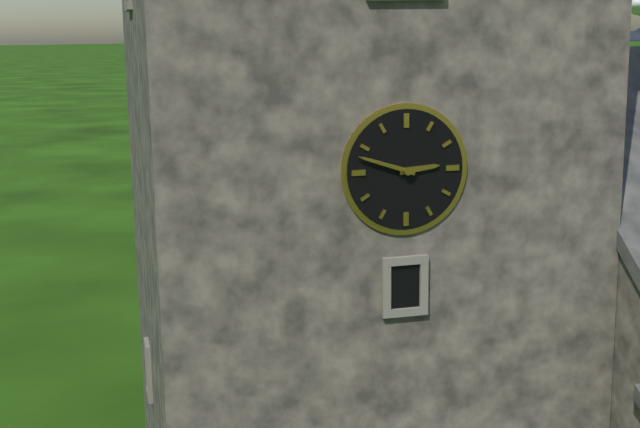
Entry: 2 h 48 min
